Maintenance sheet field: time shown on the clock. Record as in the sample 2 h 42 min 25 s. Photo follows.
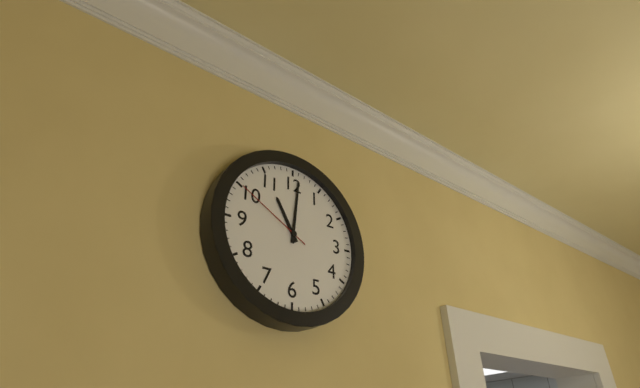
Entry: 11 h 01 min 50 s
